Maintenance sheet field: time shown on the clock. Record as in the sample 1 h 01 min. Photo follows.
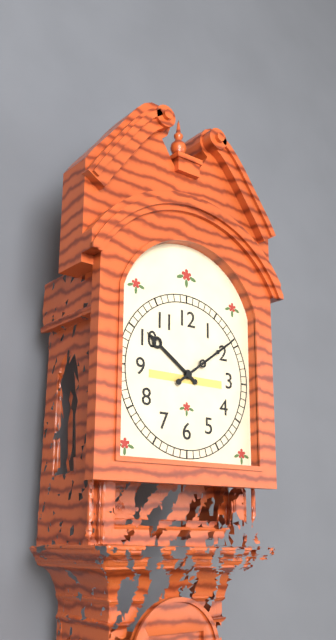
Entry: 10 h 09 min
